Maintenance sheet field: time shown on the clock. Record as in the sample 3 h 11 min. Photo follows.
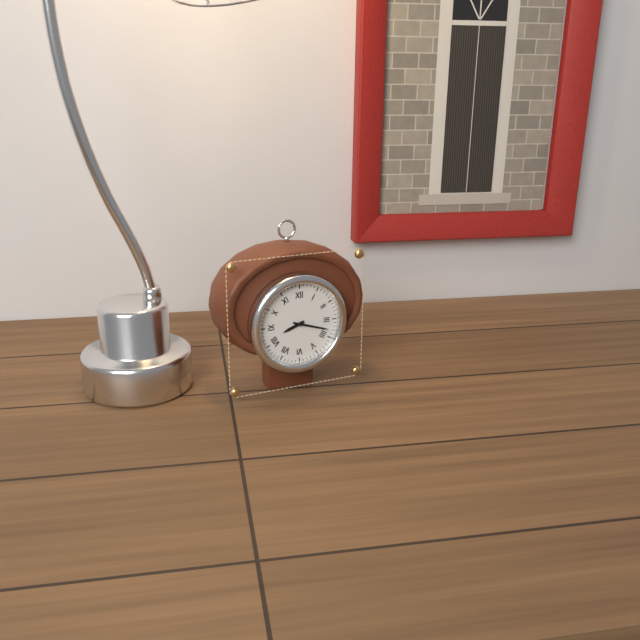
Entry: 8 h 18 min
